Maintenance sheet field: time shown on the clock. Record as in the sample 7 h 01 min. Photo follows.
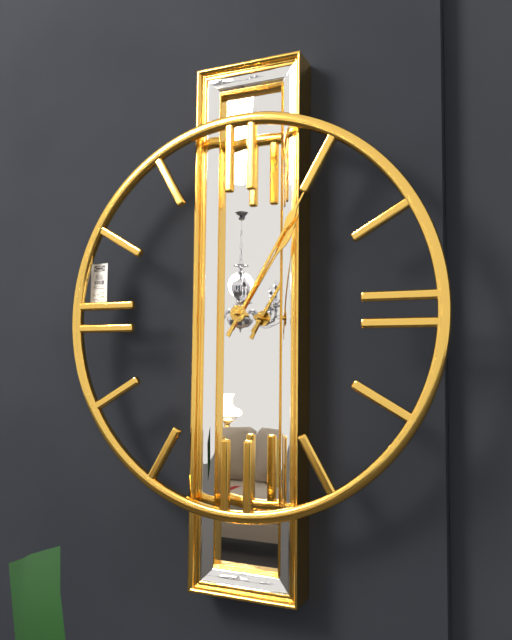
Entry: 1 h 05 min
